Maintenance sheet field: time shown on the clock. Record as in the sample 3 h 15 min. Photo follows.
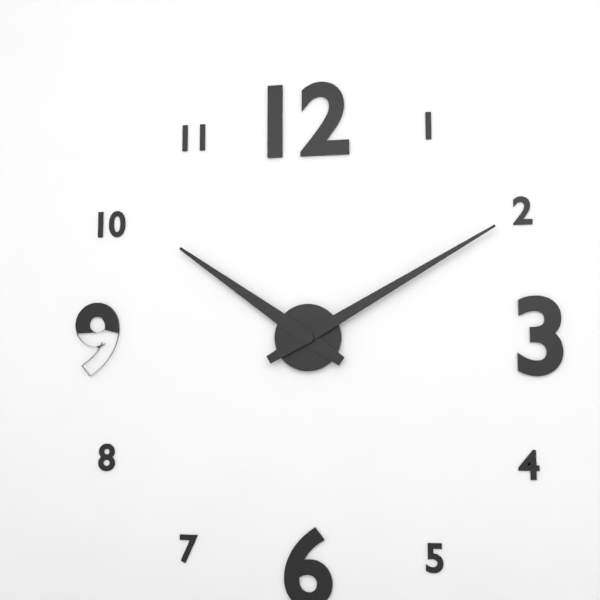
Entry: 10 h 10 min
